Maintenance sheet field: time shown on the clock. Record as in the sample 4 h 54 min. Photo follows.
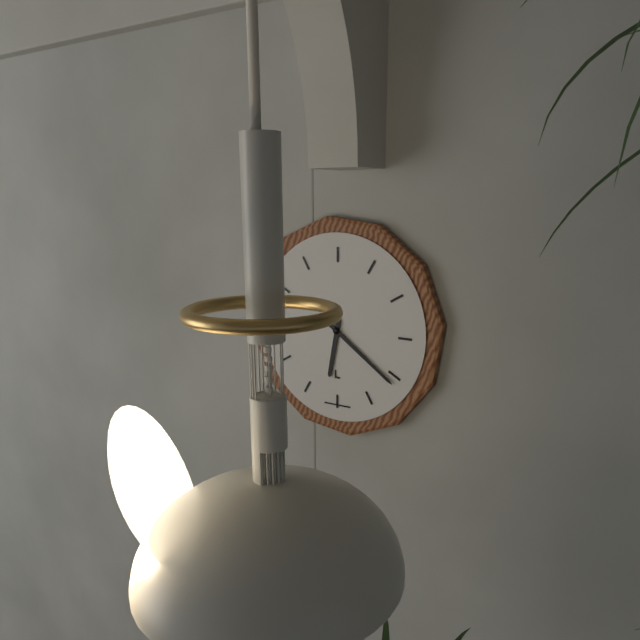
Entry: 6 h 21 min
